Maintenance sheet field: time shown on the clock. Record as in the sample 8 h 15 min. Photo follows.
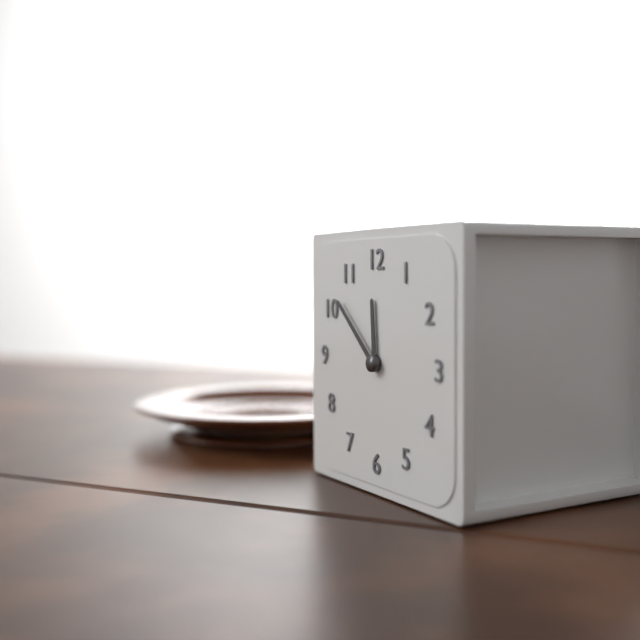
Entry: 11 h 52 min
